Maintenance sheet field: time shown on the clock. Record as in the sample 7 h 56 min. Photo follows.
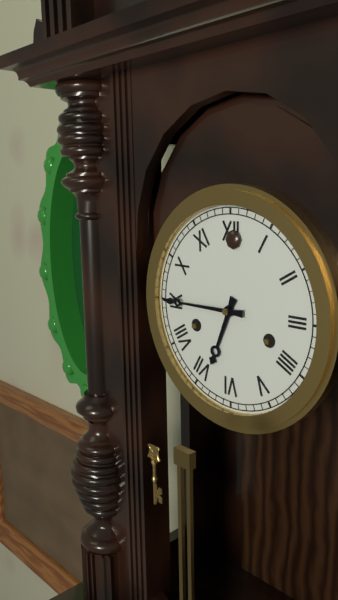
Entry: 6 h 45 min
